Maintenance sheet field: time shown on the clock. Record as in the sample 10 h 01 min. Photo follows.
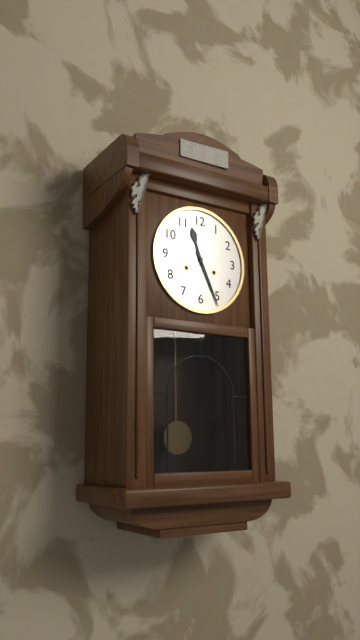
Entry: 11 h 26 min
